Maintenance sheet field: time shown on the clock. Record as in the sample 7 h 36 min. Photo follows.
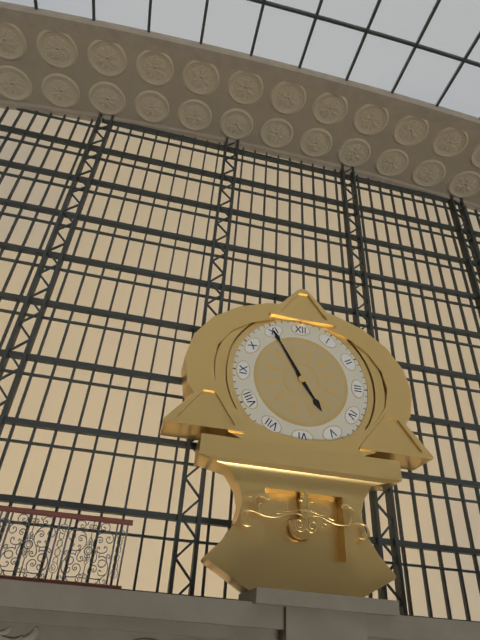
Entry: 4 h 55 min
